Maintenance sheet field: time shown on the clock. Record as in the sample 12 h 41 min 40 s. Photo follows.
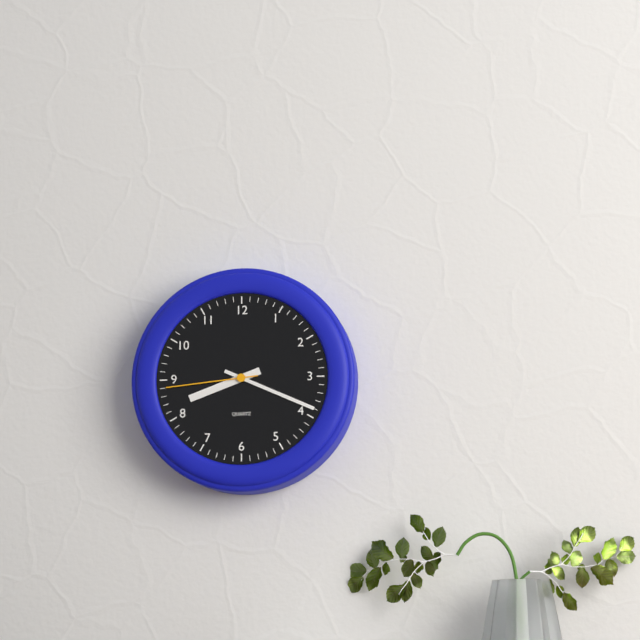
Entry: 8 h 19 min 44 s
